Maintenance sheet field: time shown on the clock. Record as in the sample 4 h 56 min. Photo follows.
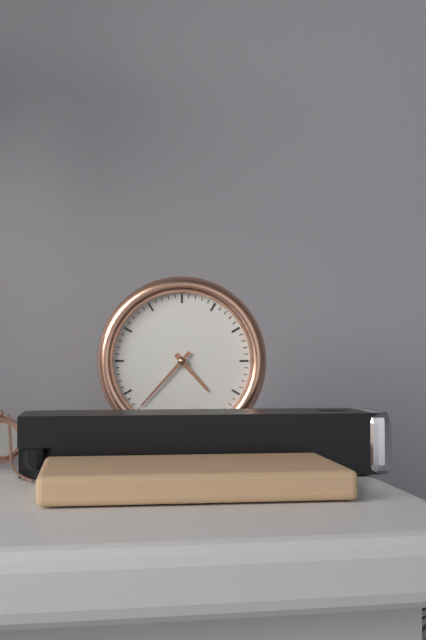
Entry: 4 h 37 min
